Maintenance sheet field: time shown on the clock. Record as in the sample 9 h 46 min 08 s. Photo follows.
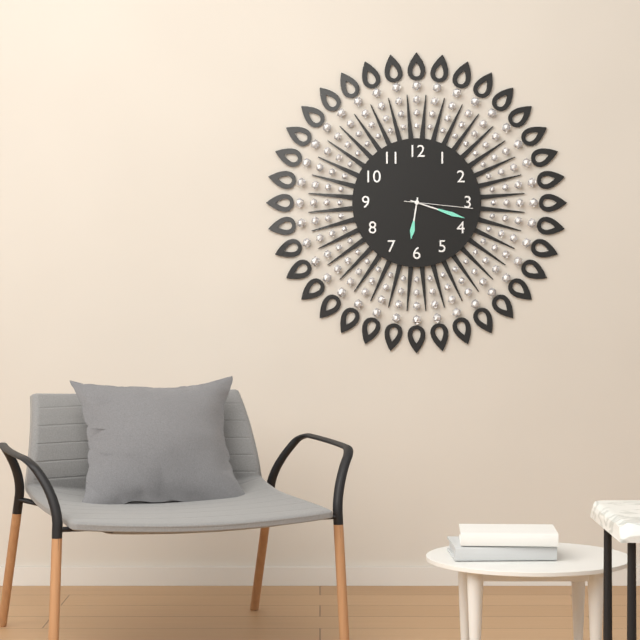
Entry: 6 h 18 min 16 s
